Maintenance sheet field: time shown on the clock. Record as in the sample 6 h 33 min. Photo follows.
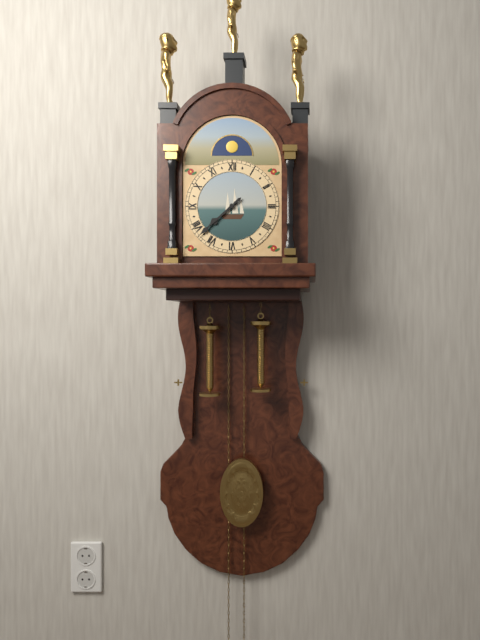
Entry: 7 h 38 min
